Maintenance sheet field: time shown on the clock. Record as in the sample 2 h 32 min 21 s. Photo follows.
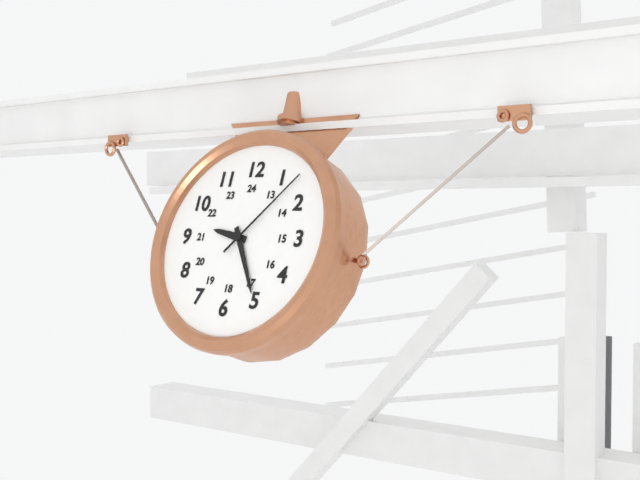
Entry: 9 h 25 min 07 s
